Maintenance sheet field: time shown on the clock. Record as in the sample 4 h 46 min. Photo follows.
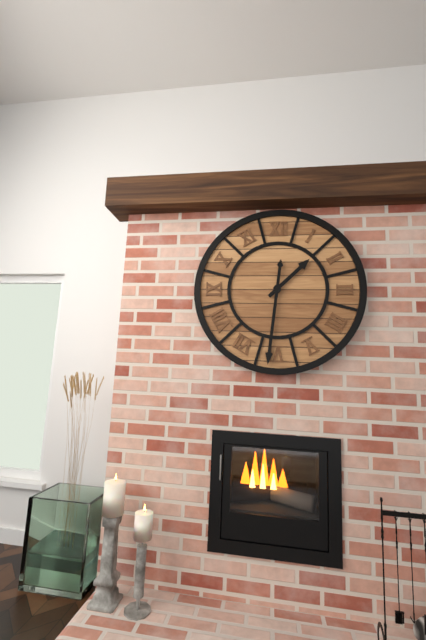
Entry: 1 h 31 min
